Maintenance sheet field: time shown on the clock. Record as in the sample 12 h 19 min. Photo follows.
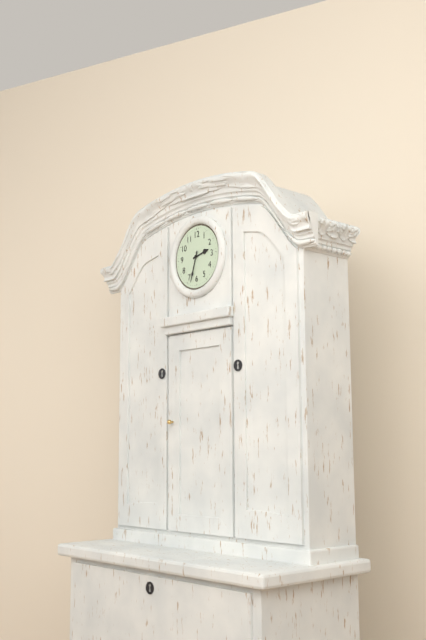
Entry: 2 h 33 min
